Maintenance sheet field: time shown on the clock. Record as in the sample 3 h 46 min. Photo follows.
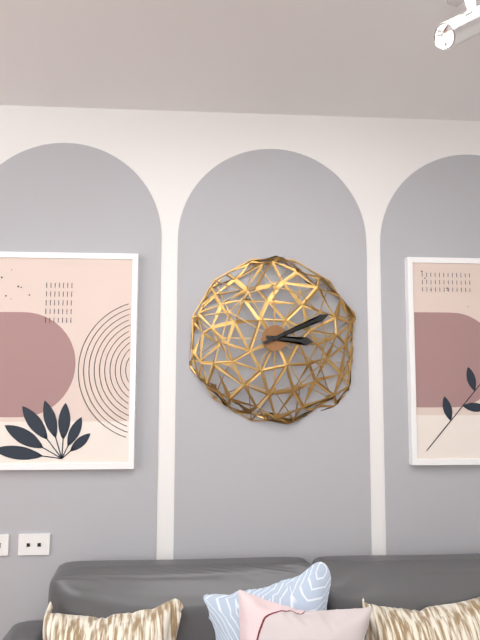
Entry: 3 h 11 min
